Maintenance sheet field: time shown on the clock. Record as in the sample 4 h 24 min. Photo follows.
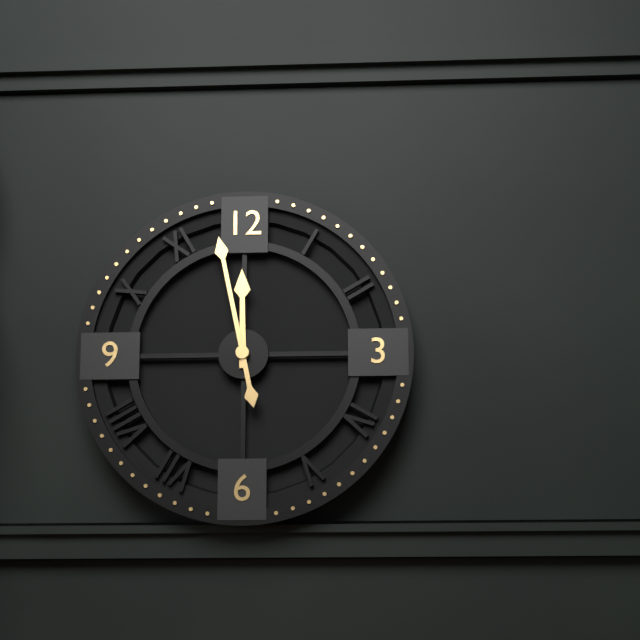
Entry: 11 h 58 min
